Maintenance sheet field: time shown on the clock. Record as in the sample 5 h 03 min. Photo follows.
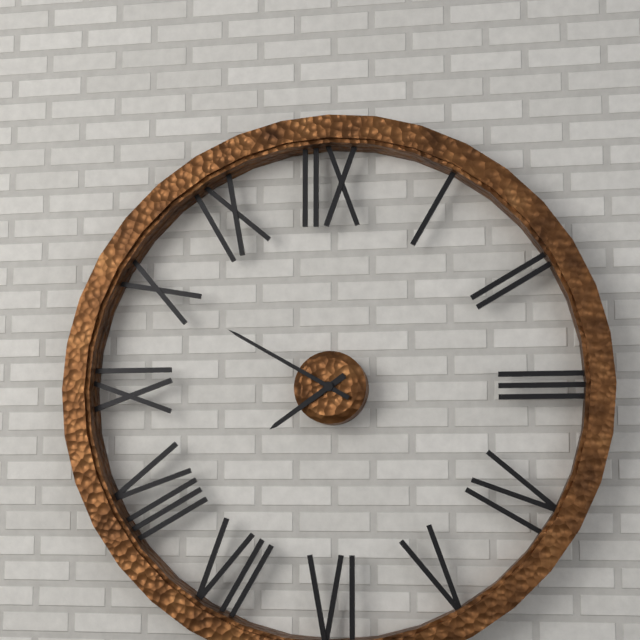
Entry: 7 h 50 min
